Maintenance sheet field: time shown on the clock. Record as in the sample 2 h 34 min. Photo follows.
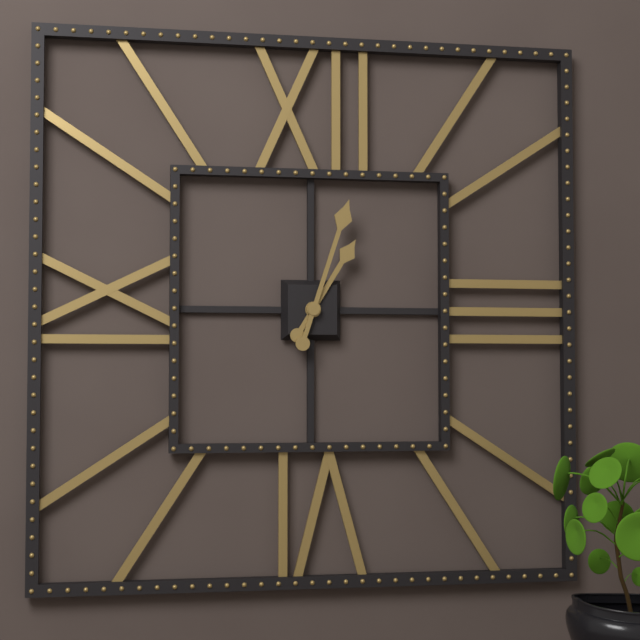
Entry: 1 h 03 min
